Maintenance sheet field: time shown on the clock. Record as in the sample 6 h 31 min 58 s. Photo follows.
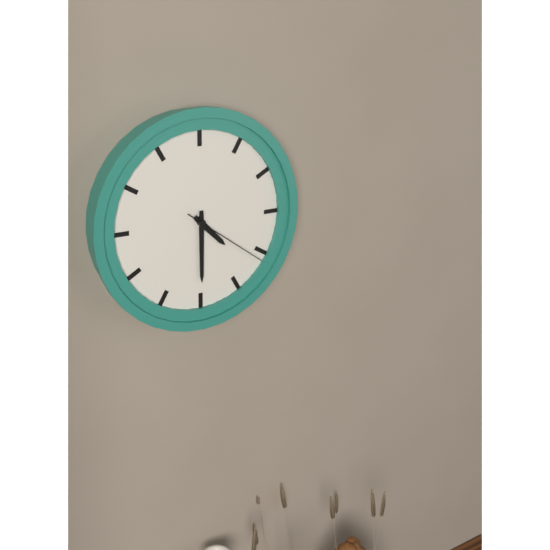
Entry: 4 h 30 min 21 s
